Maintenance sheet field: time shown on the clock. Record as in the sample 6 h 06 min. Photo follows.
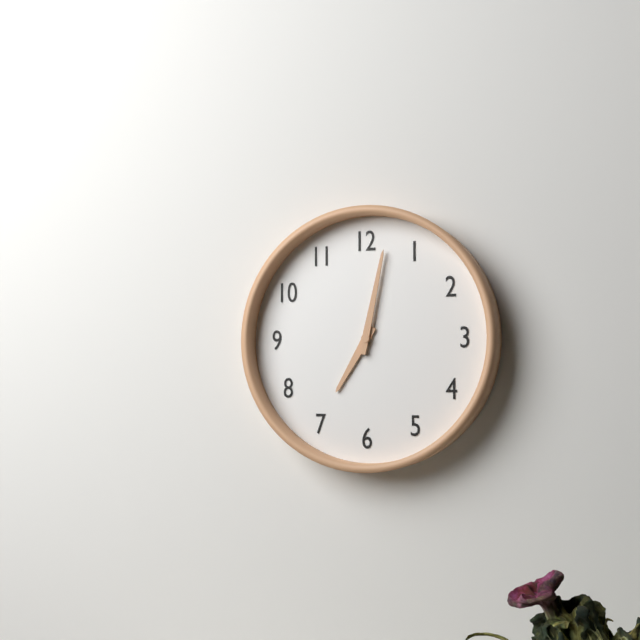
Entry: 7 h 02 min
